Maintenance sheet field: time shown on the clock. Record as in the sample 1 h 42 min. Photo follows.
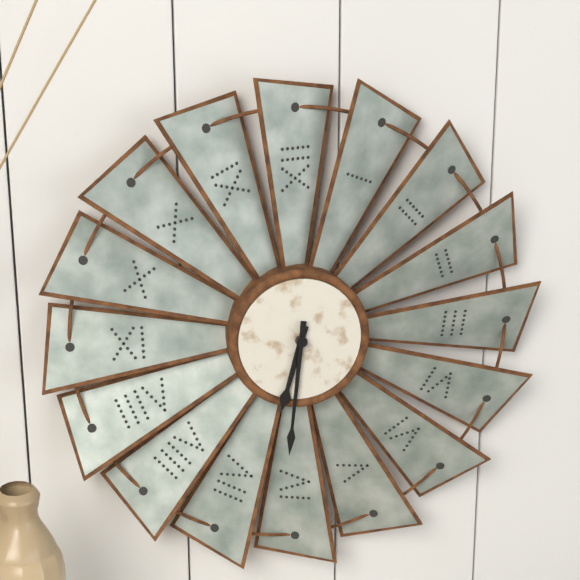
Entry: 6 h 31 min
